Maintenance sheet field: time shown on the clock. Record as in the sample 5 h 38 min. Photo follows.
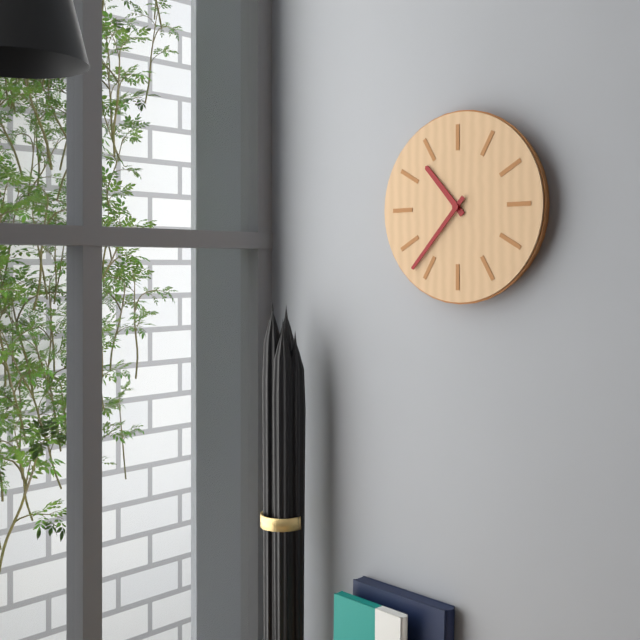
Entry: 10 h 37 min
